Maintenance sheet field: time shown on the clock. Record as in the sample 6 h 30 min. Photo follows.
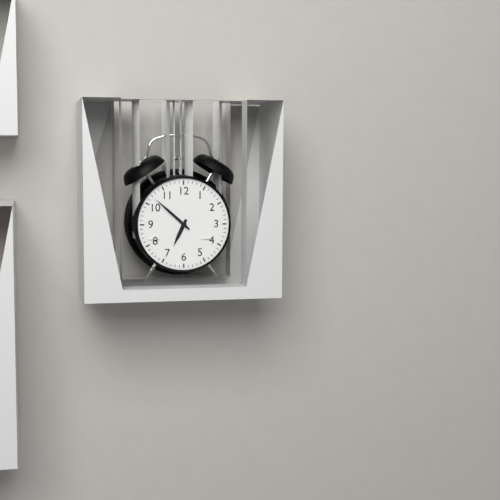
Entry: 6 h 52 min
